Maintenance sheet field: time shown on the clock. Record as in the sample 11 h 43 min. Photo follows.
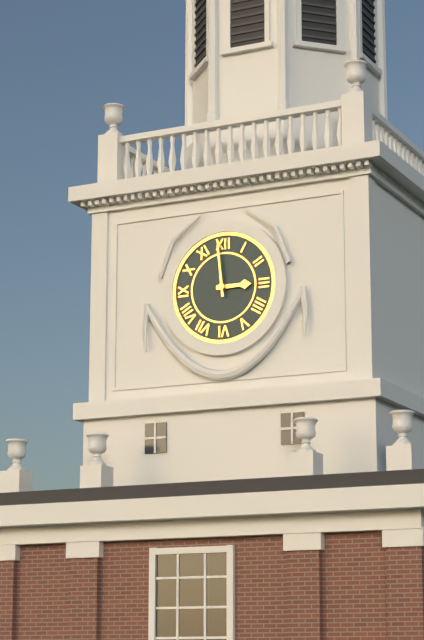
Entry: 2 h 59 min
